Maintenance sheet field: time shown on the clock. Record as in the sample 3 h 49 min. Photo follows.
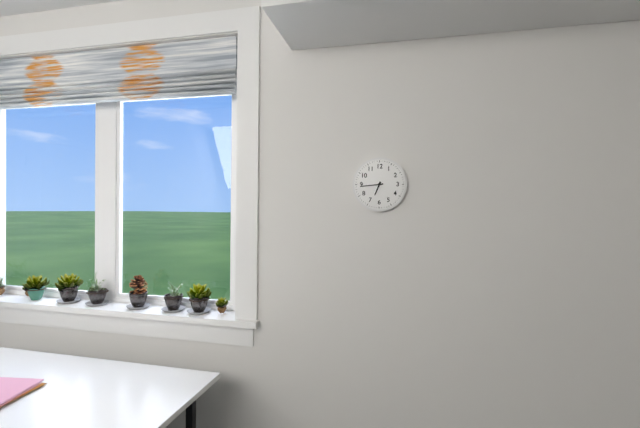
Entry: 6 h 44 min
